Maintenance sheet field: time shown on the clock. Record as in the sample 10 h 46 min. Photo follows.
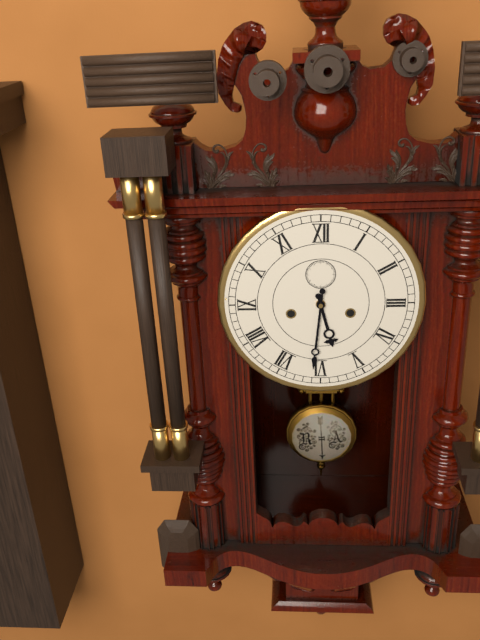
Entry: 5 h 31 min
